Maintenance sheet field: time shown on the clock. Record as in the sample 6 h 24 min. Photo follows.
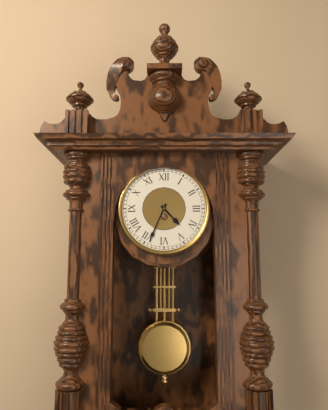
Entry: 4 h 34 min
